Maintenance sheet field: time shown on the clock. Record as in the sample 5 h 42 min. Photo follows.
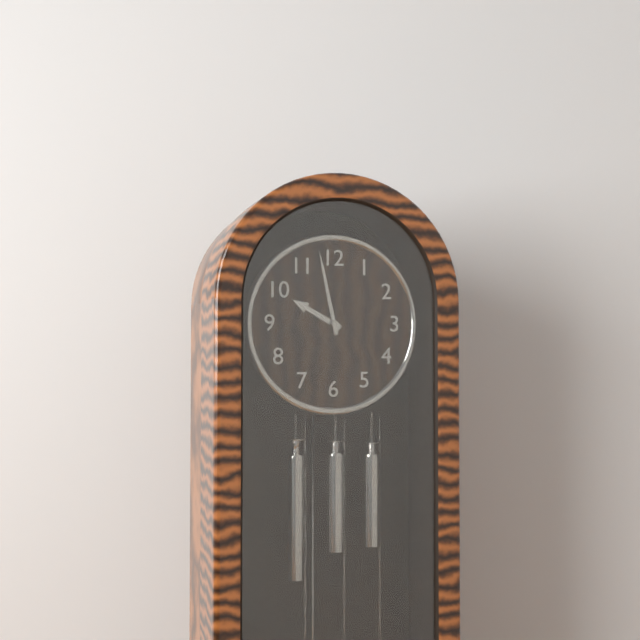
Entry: 9 h 58 min
